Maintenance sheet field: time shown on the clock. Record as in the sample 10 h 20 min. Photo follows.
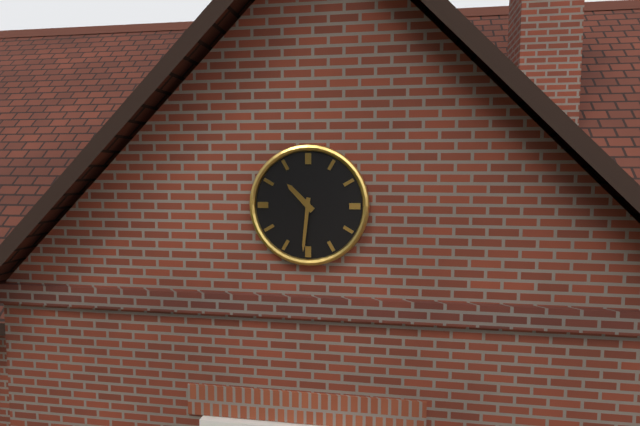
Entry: 10 h 31 min
